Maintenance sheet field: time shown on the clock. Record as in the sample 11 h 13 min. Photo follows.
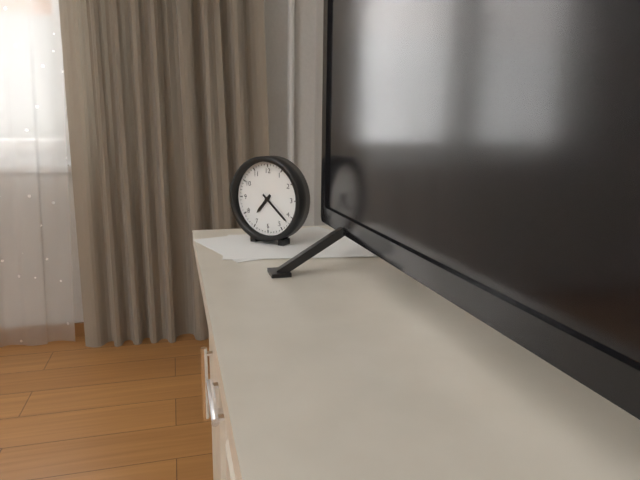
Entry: 7 h 22 min
